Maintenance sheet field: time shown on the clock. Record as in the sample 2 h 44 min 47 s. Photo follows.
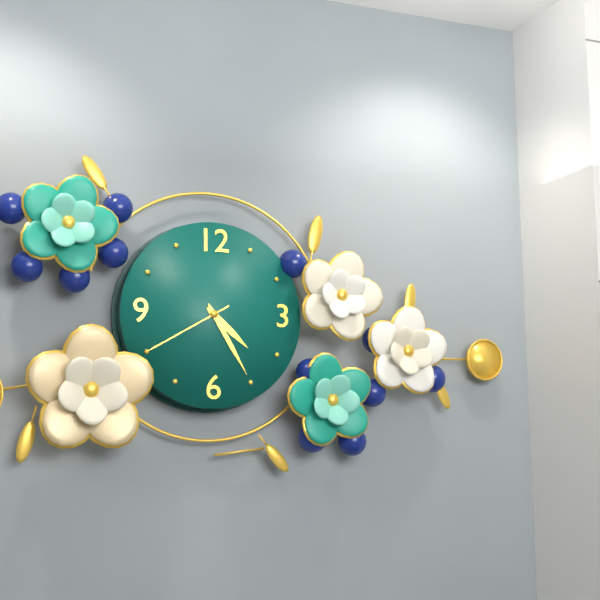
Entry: 4 h 25 min 40 s
